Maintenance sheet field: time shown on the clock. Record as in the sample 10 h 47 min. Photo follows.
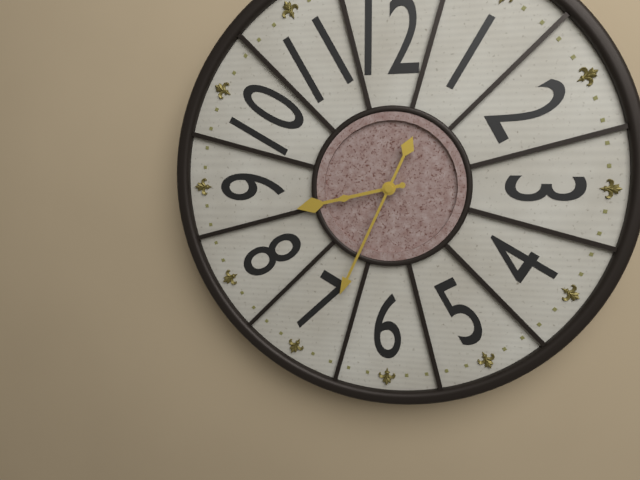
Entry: 8 h 34 min
